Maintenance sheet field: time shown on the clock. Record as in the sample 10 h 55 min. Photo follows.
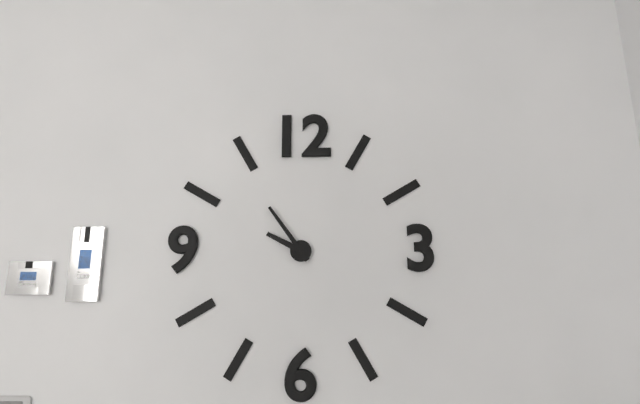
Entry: 9 h 54 min
